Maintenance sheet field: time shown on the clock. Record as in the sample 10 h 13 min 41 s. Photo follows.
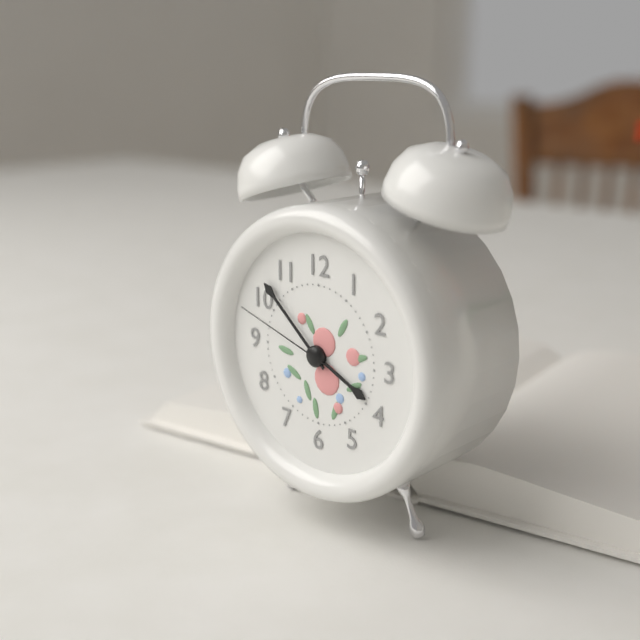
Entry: 3 h 52 min 48 s
